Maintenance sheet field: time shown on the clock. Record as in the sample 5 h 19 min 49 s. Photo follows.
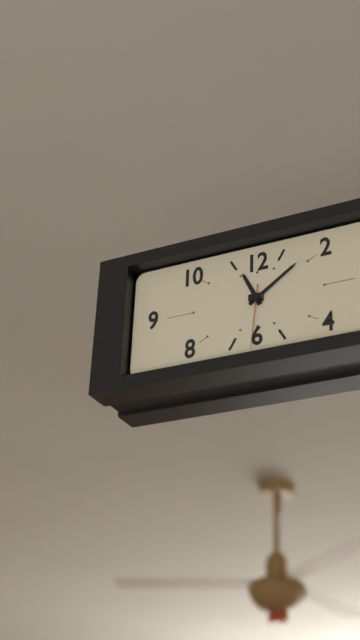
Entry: 11 h 09 min 31 s
